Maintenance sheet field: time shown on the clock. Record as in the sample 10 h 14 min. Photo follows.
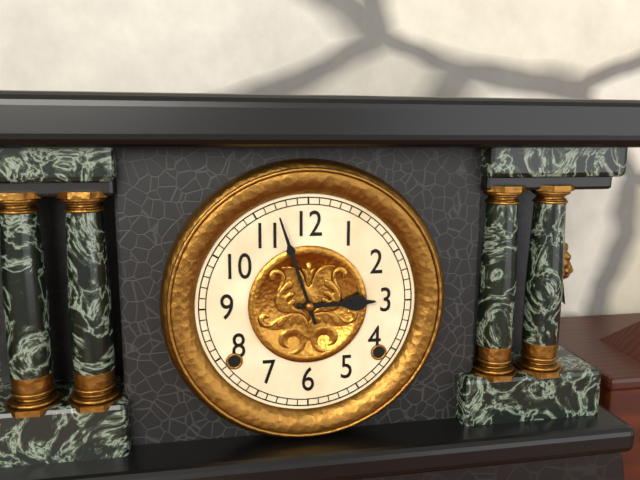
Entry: 2 h 57 min
